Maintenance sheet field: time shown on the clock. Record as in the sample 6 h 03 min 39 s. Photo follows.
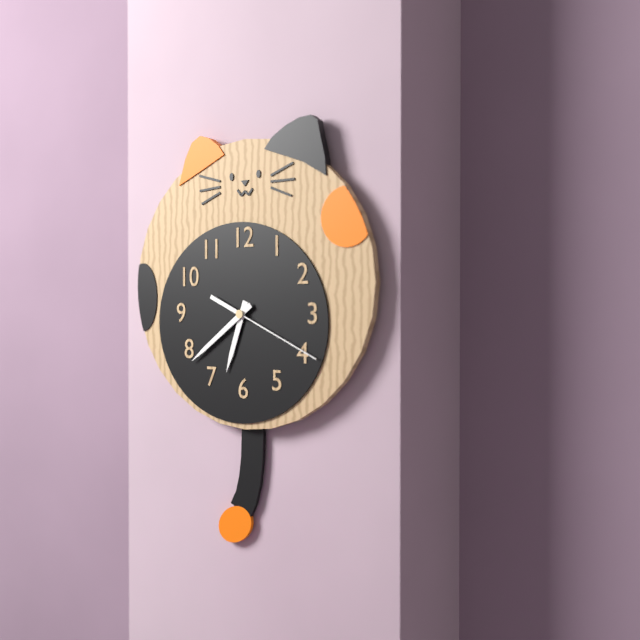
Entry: 6 h 39 min 19 s
